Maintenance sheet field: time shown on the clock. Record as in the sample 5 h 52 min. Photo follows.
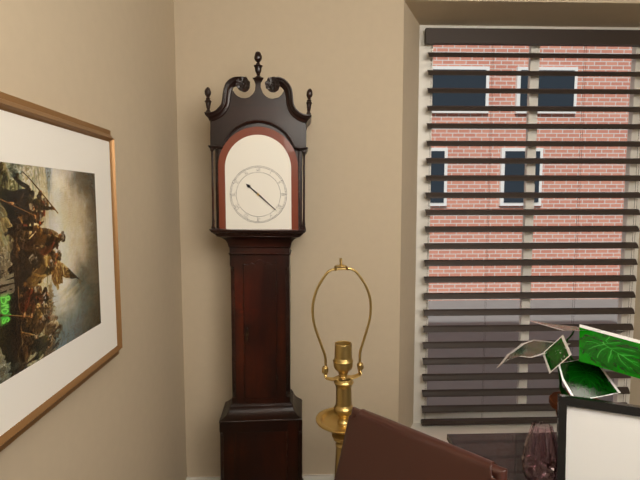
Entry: 10 h 22 min
